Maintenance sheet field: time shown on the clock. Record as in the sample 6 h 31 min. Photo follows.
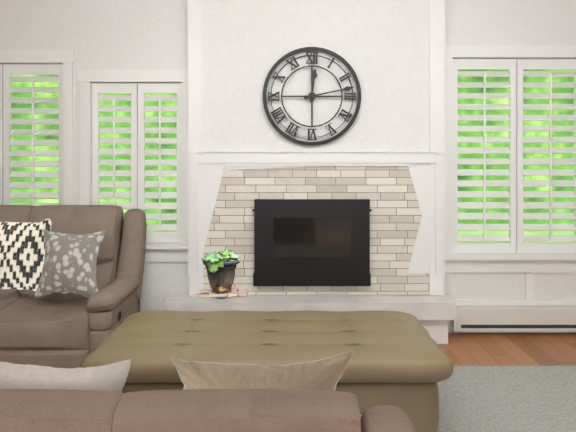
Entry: 12 h 13 min
